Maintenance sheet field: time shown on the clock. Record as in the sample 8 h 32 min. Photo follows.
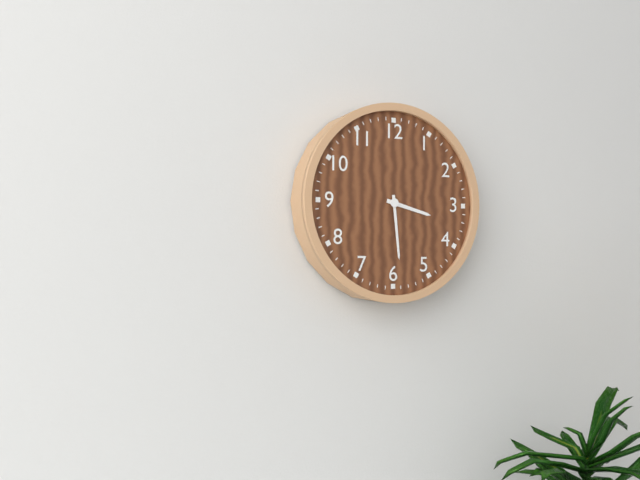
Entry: 3 h 29 min
